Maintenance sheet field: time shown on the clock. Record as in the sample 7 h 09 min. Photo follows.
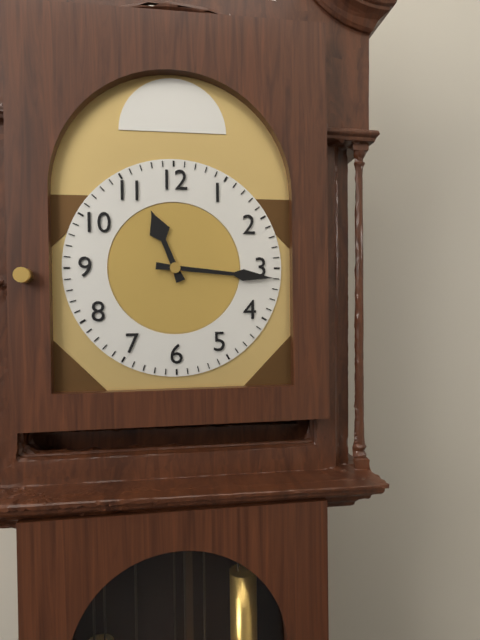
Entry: 11 h 16 min
